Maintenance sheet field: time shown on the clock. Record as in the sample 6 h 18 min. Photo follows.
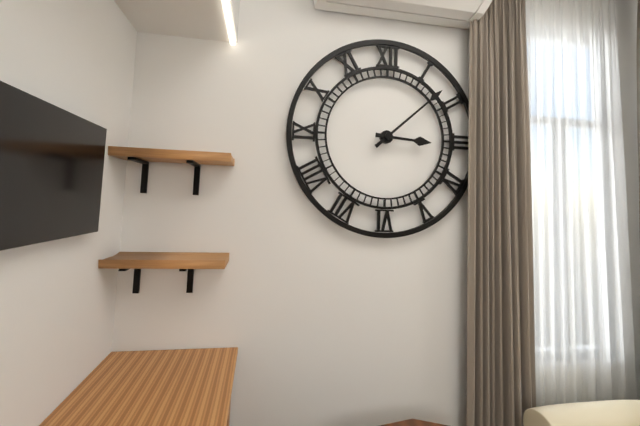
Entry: 3 h 08 min
